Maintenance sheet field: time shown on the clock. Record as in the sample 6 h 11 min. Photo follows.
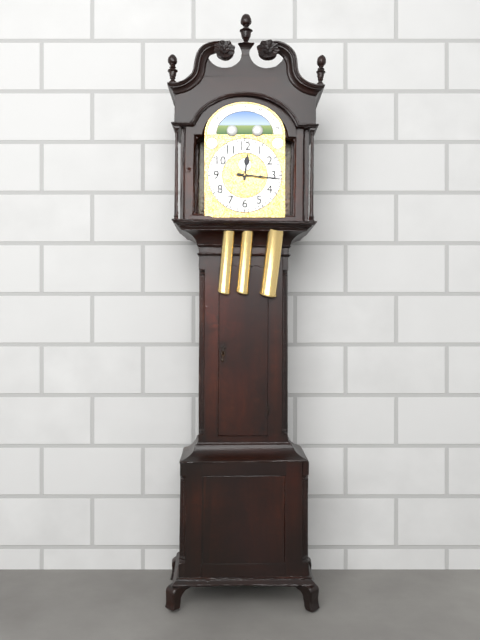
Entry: 12 h 16 min
